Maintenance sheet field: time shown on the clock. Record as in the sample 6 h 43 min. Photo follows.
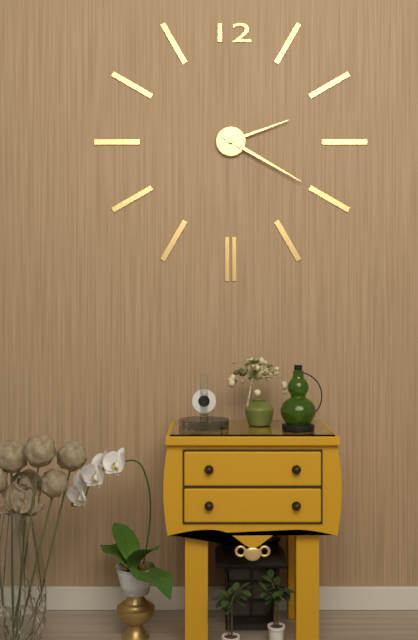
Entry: 2 h 20 min
